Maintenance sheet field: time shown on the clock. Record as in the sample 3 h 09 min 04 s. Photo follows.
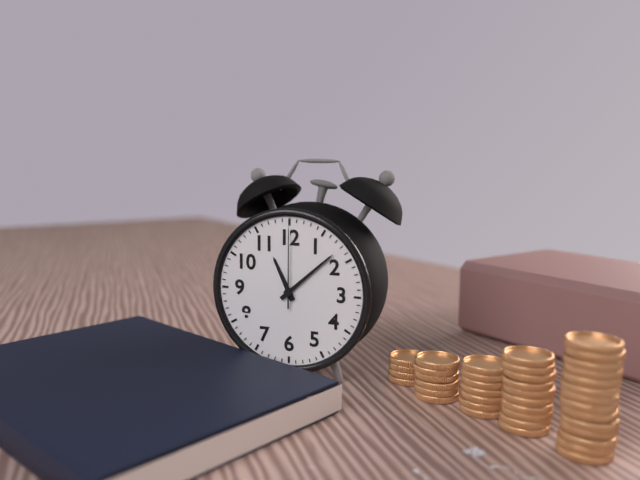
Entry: 11 h 08 min 00 s
